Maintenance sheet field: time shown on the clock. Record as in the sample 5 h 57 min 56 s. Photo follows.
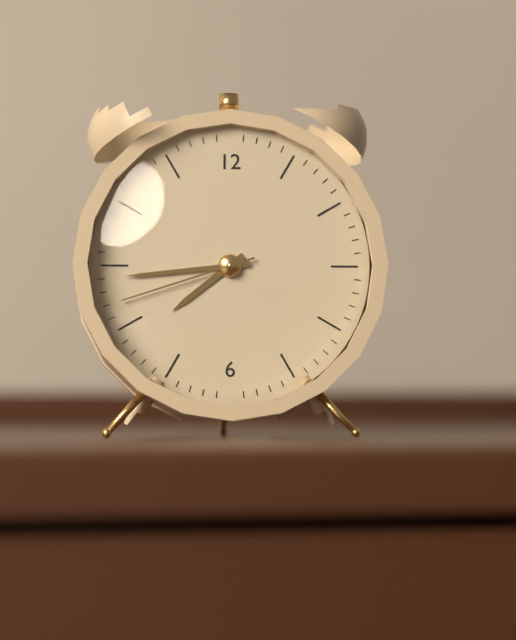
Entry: 7 h 44 min 42 s
